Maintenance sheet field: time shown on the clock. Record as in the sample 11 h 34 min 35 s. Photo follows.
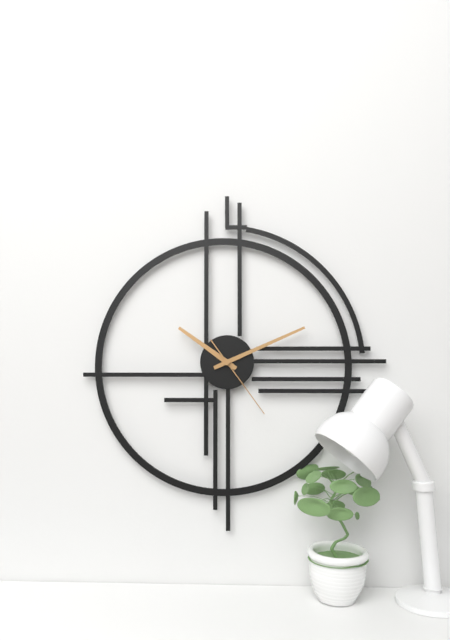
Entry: 10 h 11 min 24 s
